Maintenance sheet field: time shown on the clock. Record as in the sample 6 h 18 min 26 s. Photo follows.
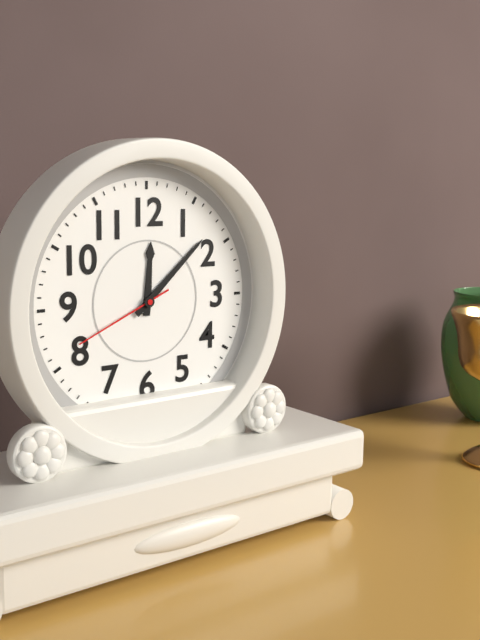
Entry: 12 h 08 min 41 s
